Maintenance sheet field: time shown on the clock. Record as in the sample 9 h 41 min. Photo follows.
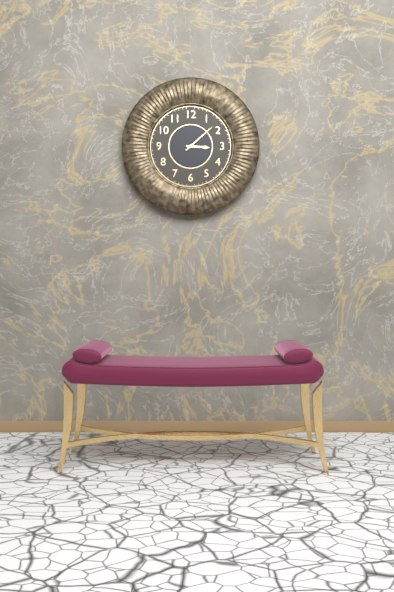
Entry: 3 h 08 min
